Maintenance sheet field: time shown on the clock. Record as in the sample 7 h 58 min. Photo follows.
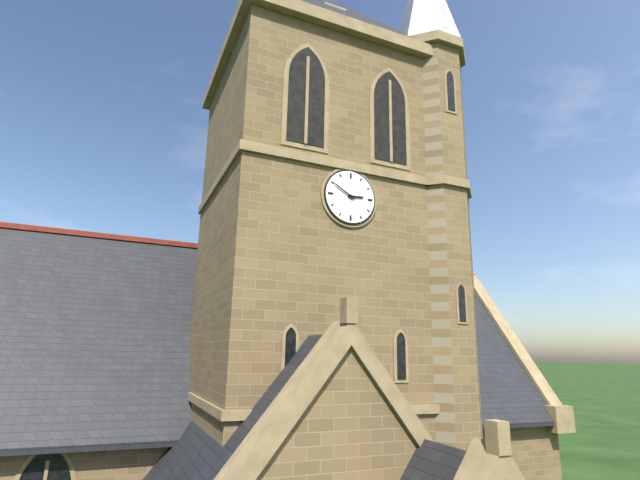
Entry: 2 h 50 min
